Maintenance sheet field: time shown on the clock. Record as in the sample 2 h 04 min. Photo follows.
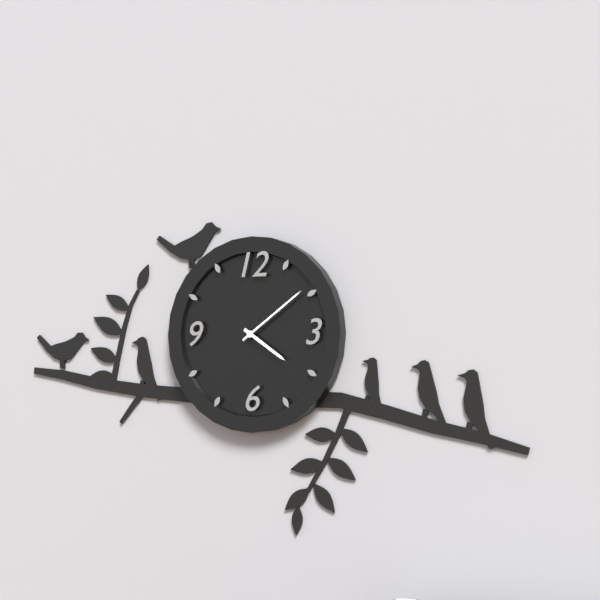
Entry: 4 h 09 min
